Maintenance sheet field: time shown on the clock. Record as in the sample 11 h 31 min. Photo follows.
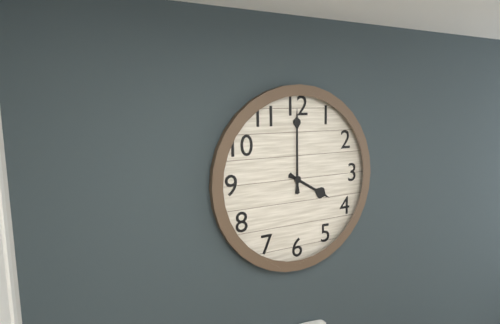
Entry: 4 h 00 min
